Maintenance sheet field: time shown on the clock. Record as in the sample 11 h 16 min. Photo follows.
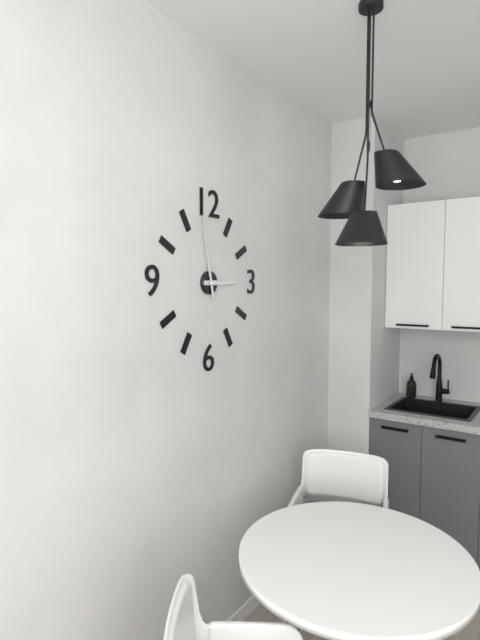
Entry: 2 h 58 min
